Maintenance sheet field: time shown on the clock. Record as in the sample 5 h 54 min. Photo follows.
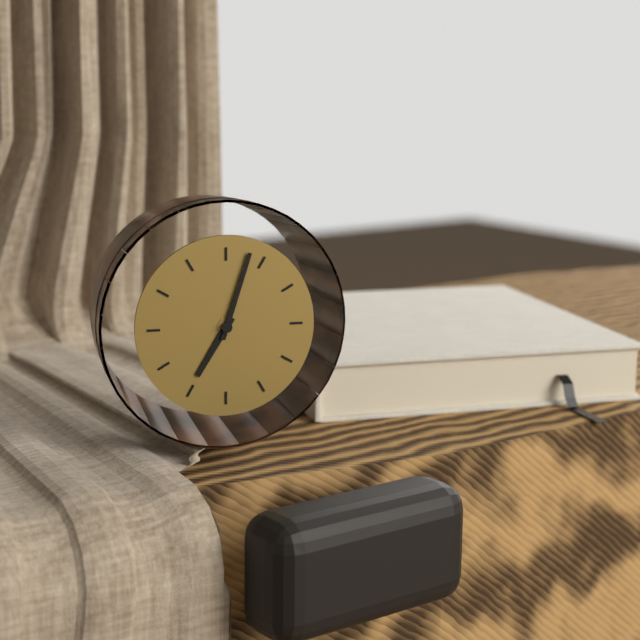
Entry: 7 h 03 min
